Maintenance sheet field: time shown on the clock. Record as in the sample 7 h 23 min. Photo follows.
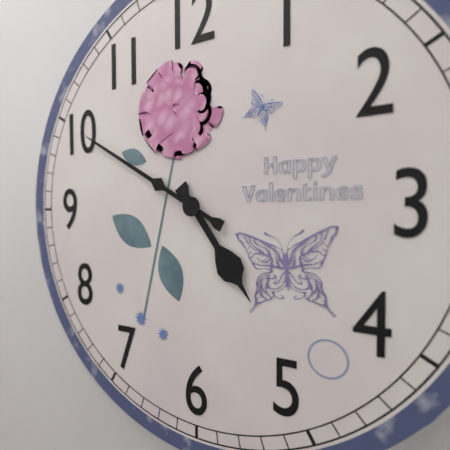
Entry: 4 h 50 min
